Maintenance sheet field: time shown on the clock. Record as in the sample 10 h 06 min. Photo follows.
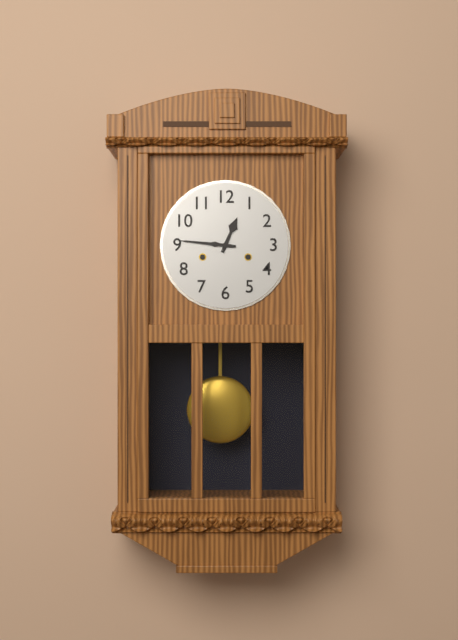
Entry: 12 h 46 min
